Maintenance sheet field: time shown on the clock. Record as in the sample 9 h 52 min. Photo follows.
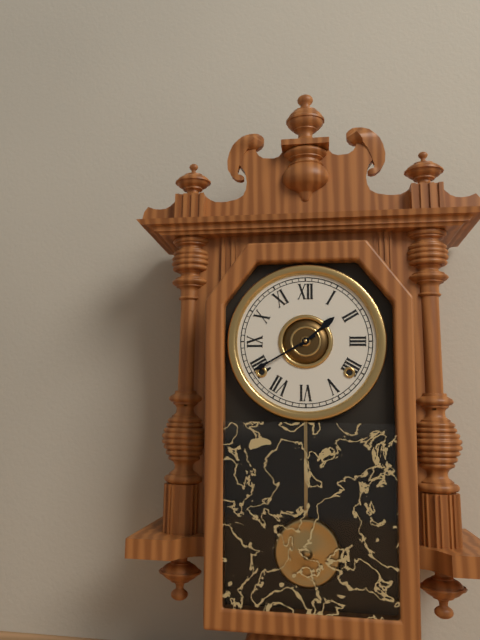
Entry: 1 h 40 min
